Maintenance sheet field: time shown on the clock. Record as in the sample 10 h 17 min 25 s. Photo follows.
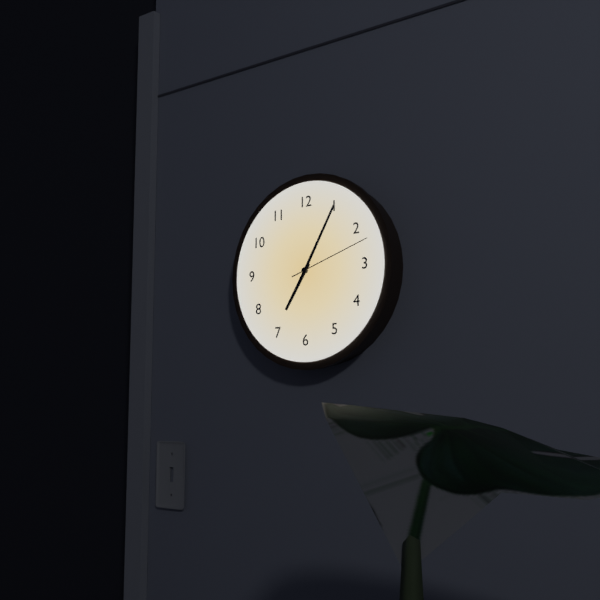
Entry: 7 h 05 min 12 s
